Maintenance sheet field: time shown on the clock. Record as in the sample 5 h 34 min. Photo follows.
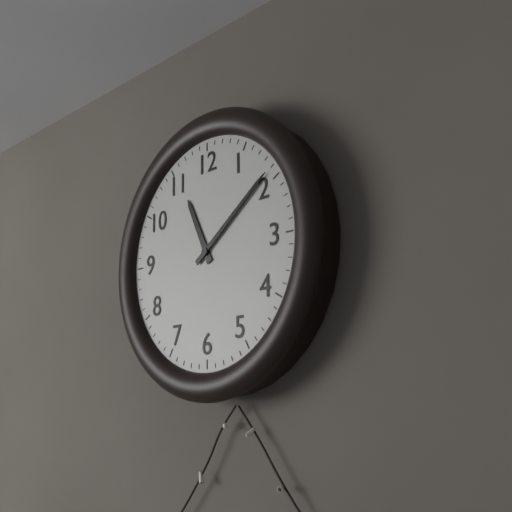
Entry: 11 h 09 min
